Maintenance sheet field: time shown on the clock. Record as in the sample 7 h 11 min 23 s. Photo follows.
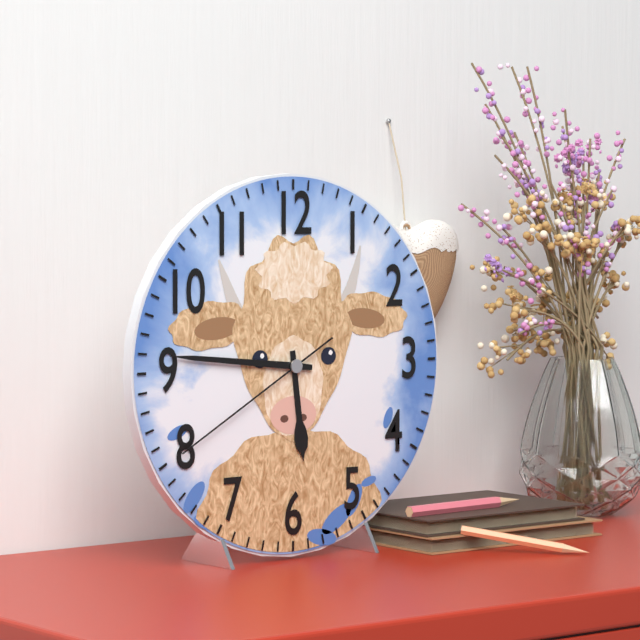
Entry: 5 h 46 min 40 s
